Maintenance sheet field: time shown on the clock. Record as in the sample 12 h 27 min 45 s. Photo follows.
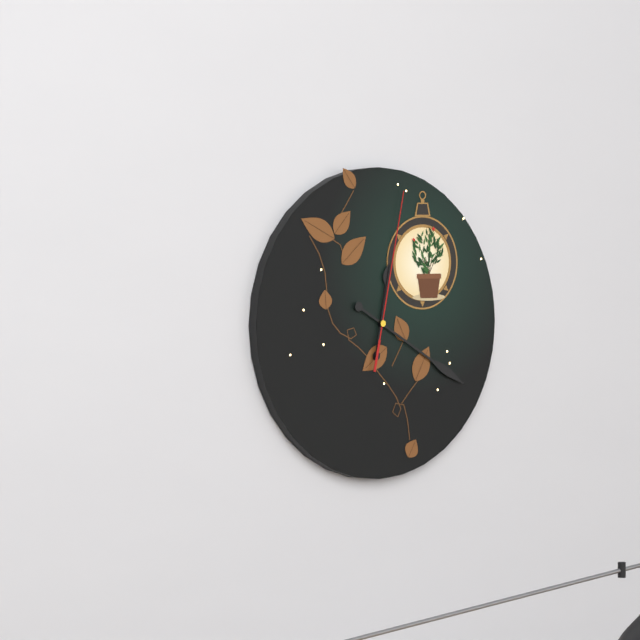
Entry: 12 h 20 min 02 s
